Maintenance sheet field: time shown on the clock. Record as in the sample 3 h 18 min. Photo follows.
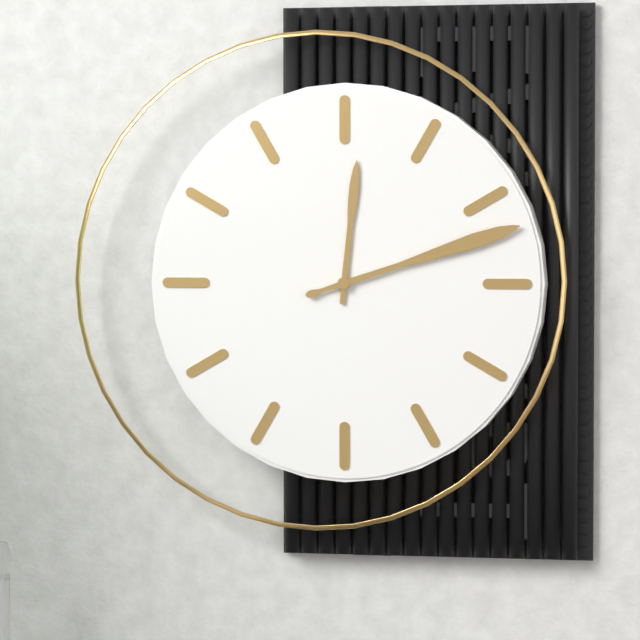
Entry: 12 h 12 min
